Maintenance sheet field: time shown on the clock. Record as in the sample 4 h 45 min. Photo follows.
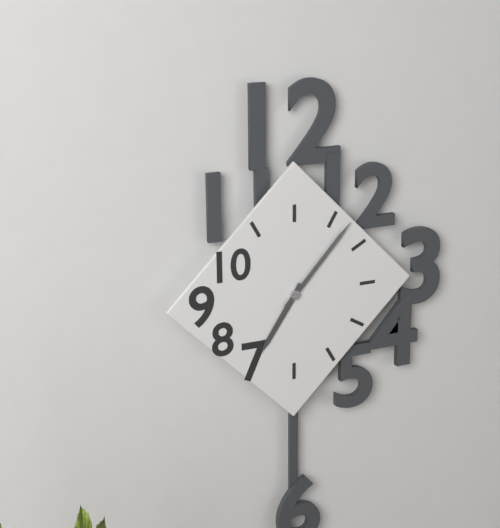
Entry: 7 h 07 min
